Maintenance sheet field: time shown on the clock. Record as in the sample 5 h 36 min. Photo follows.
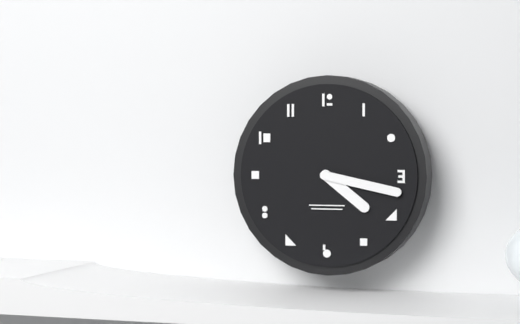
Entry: 4 h 17 min
